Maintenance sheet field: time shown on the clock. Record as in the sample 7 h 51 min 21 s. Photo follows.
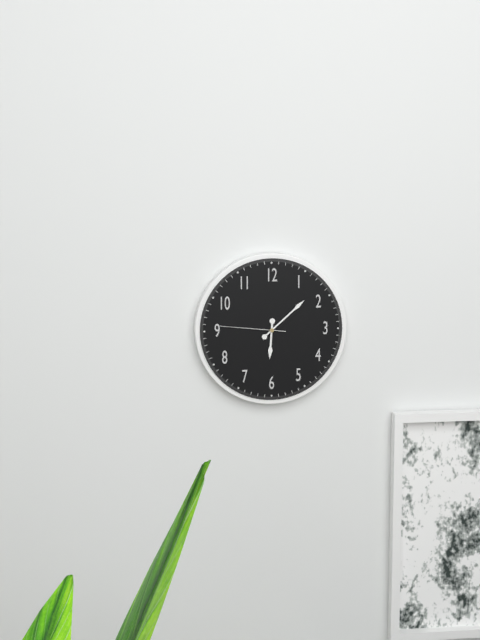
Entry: 6 h 08 min 46 s
